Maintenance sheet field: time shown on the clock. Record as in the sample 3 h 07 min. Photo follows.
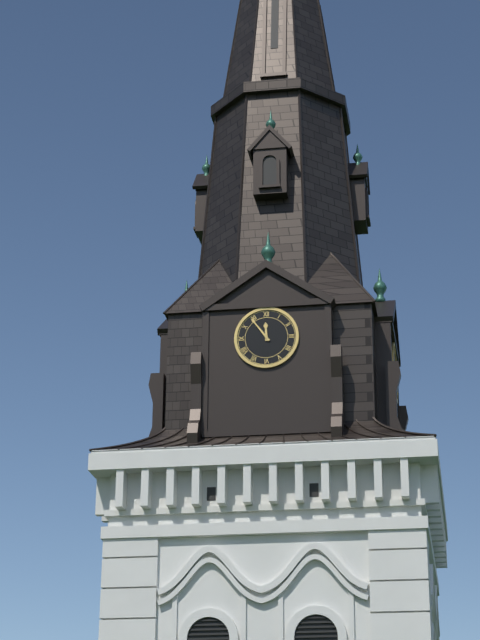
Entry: 11 h 54 min
